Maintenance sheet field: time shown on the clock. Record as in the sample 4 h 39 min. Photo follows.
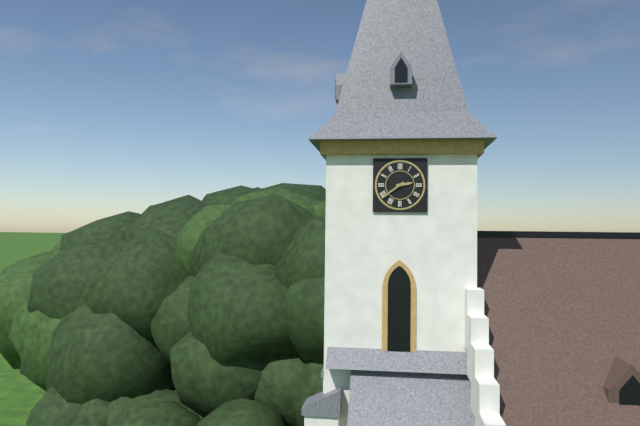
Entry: 2 h 39 min
